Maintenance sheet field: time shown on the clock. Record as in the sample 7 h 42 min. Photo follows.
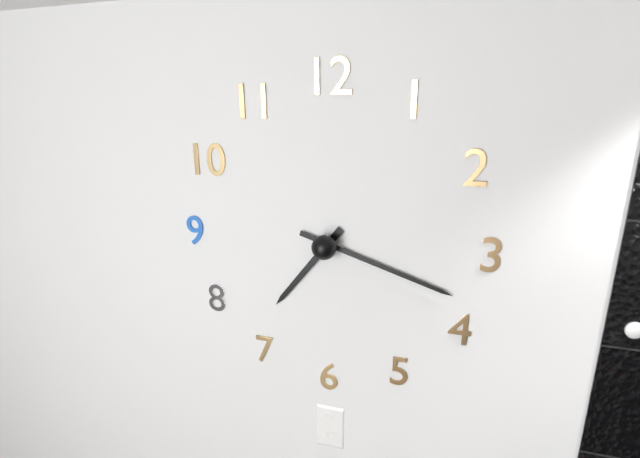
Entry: 7 h 18 min
